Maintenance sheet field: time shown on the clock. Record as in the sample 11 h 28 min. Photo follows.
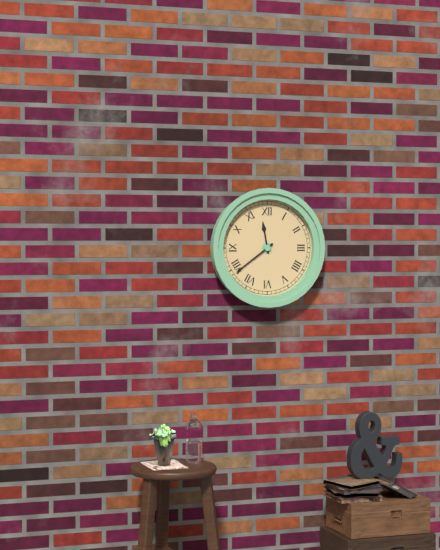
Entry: 11 h 39 min
